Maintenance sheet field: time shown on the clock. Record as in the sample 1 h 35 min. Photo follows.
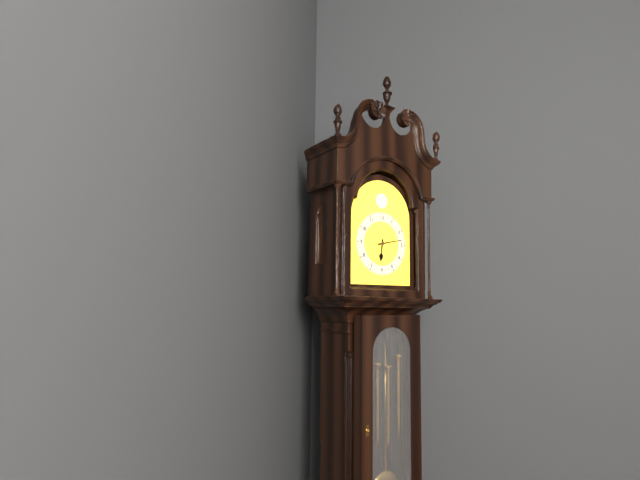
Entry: 6 h 13 min
